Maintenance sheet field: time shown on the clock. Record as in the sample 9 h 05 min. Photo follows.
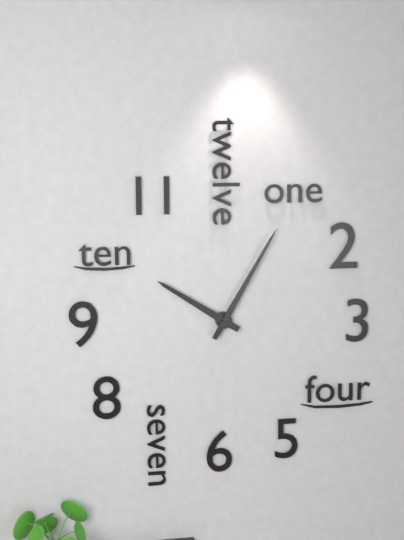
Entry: 10 h 05 min
